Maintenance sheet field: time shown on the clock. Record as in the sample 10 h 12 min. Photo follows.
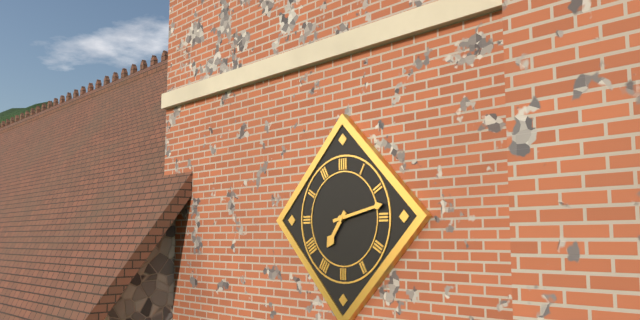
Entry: 7 h 13 min
